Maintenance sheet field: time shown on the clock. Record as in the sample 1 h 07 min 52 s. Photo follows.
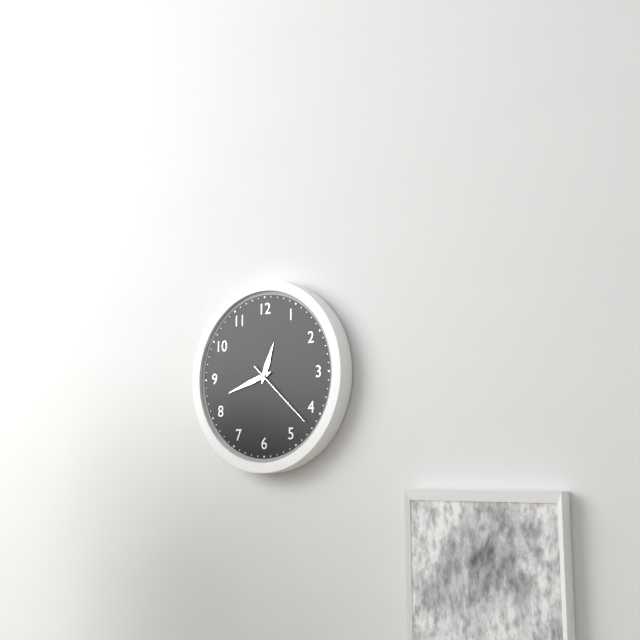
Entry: 12 h 42 min 22 s
